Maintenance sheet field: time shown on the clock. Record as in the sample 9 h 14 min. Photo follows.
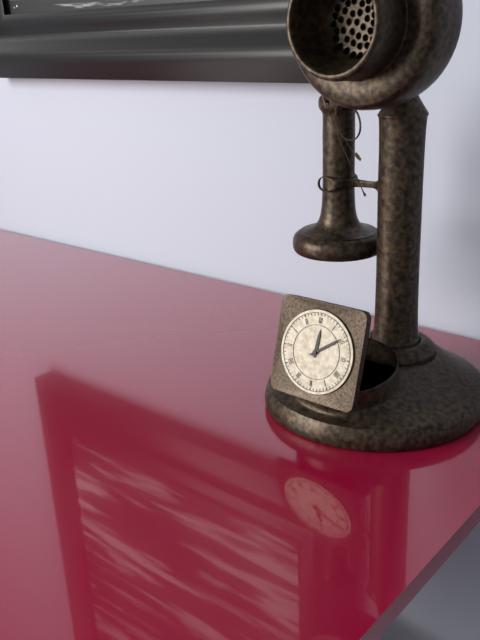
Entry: 12 h 09 min
